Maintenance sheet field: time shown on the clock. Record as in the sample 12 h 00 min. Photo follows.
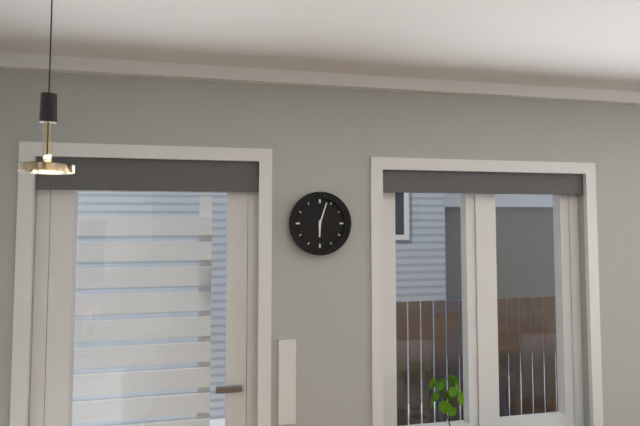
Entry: 6 h 03 min
